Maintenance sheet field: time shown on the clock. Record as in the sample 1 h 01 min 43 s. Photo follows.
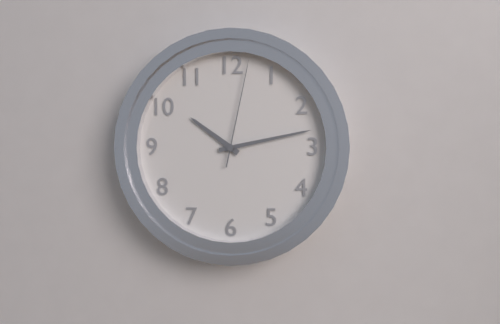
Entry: 10 h 13 min 02 s
